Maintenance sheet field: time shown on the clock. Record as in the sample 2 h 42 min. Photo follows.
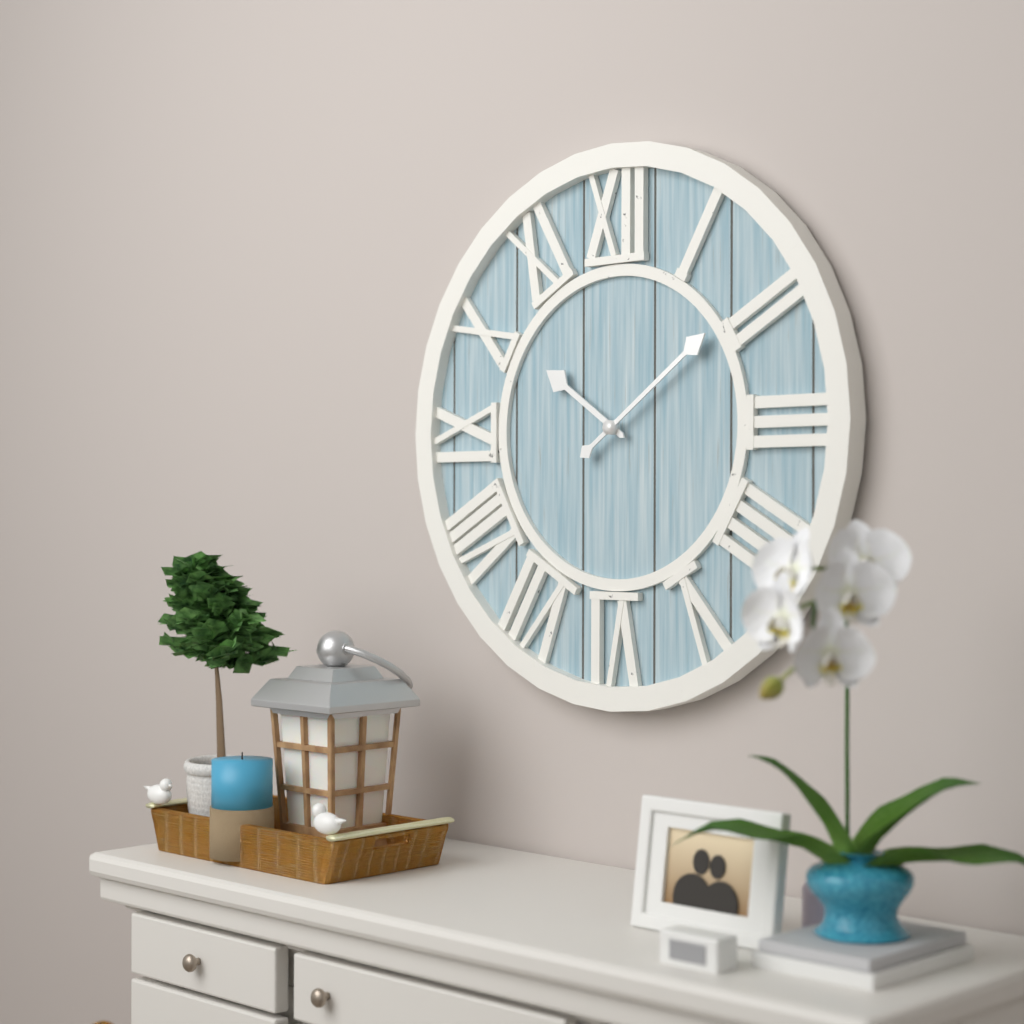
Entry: 10 h 09 min
